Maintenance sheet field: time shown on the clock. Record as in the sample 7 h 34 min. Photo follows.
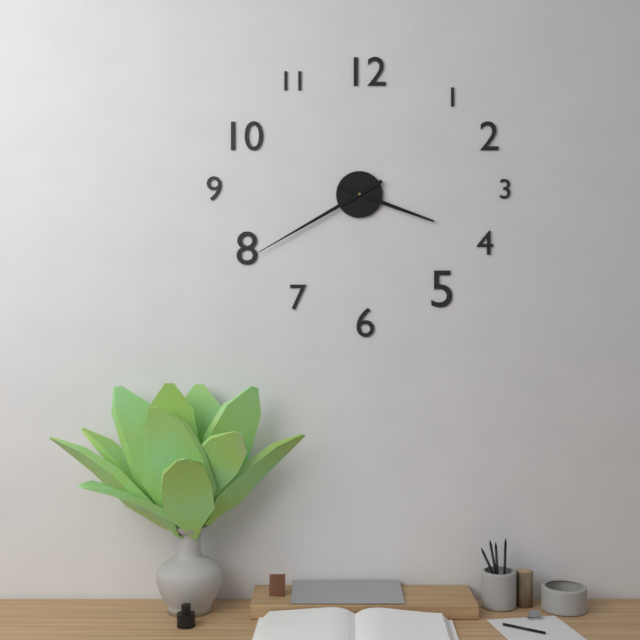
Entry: 3 h 40 min
